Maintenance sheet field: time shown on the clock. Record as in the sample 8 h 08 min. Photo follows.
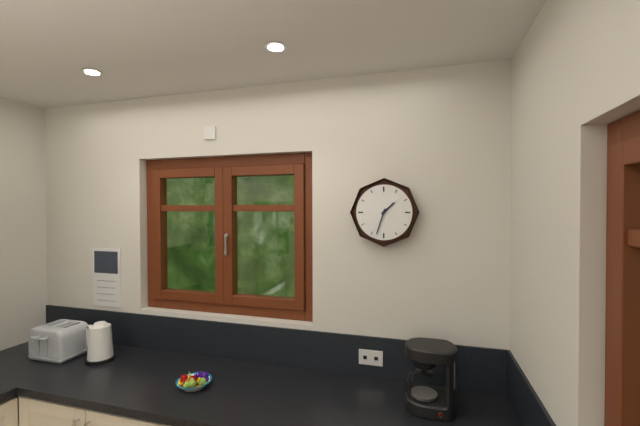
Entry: 1 h 33 min
